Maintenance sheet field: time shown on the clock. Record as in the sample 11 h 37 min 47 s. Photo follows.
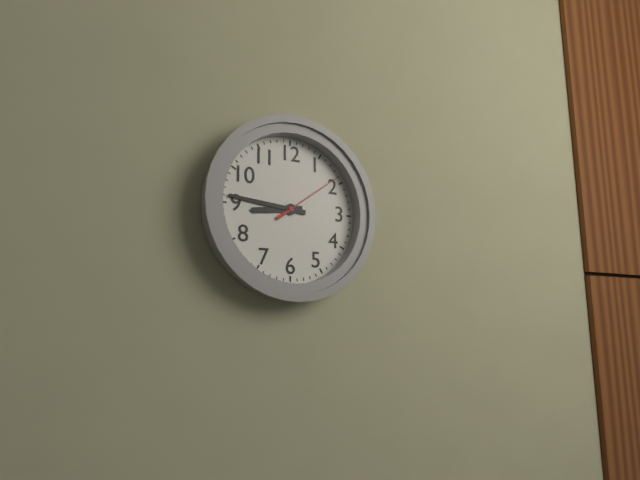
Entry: 8 h 46 min 09 s
